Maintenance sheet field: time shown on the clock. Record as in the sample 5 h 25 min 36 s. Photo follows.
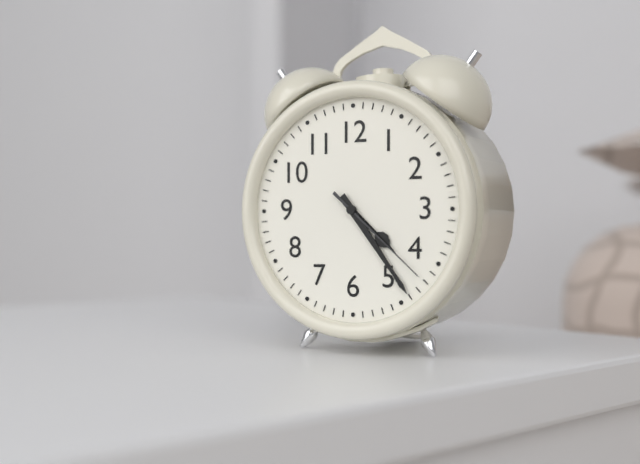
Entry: 4 h 24 min 22 s
